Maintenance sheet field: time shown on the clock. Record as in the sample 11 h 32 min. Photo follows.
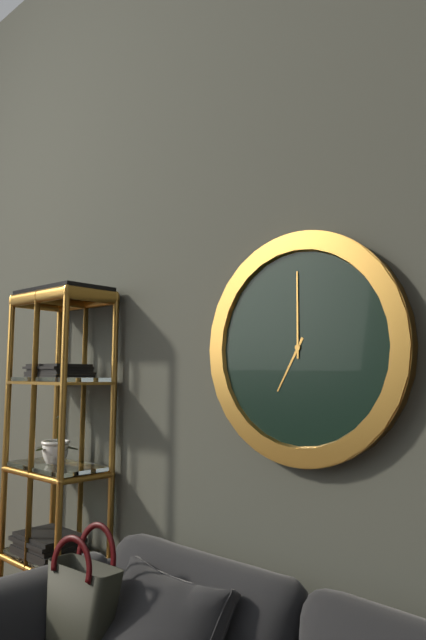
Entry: 7 h 00 min
